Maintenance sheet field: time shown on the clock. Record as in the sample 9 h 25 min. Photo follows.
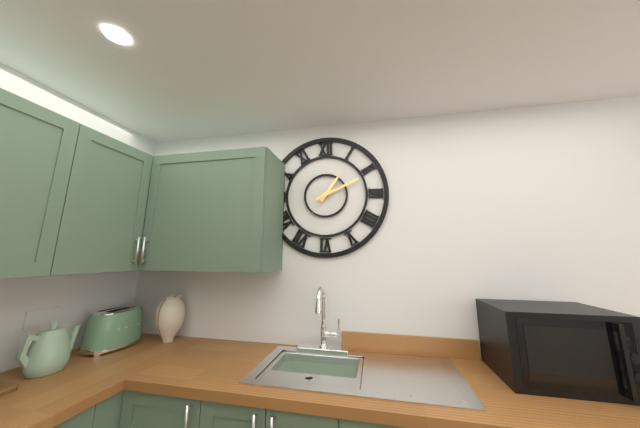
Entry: 1 h 11 min
